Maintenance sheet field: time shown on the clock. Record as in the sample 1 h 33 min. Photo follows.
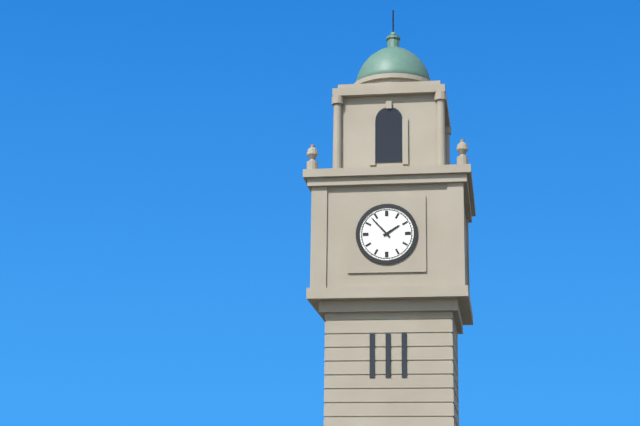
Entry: 1 h 53 min
